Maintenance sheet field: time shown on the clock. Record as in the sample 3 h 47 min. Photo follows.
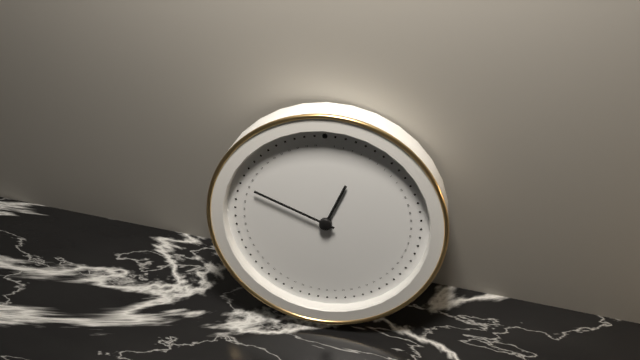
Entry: 12 h 49 min
